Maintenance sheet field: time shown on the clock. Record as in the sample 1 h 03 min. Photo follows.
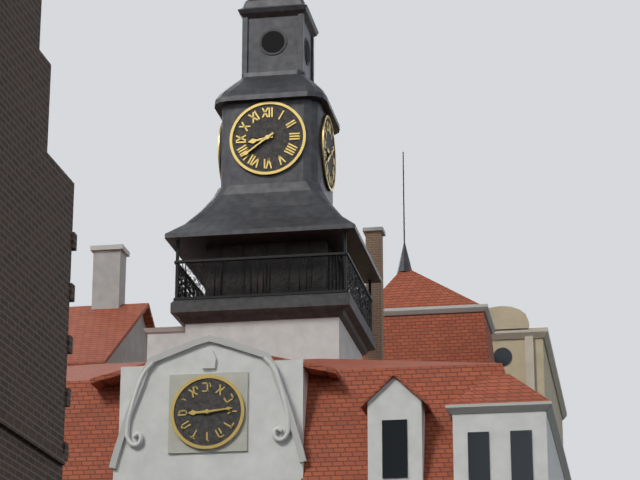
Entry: 8 h 39 min
